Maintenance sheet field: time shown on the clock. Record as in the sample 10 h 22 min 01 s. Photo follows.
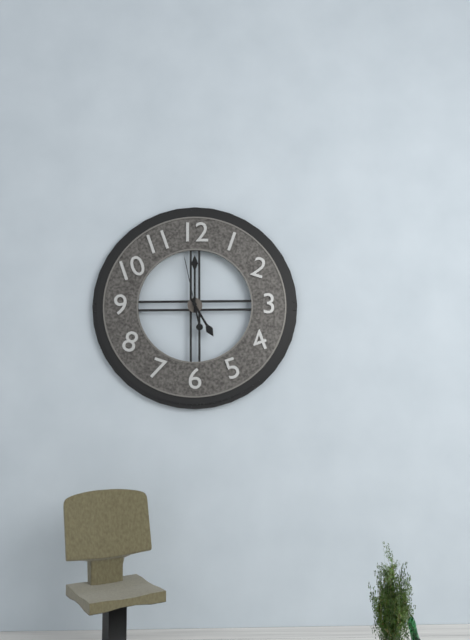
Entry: 5 h 00 min 58 s
